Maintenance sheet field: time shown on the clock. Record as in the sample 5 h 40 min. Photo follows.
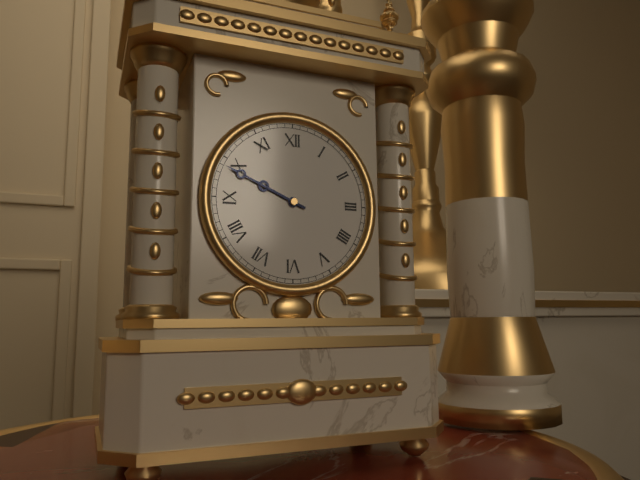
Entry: 9 h 49 min
